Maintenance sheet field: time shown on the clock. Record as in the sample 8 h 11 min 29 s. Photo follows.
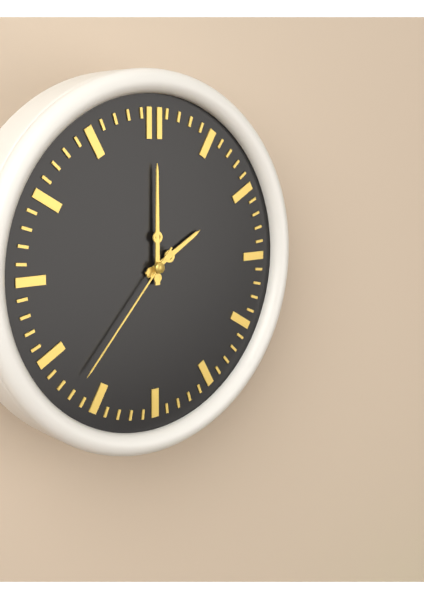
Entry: 2 h 00 min 37 s
